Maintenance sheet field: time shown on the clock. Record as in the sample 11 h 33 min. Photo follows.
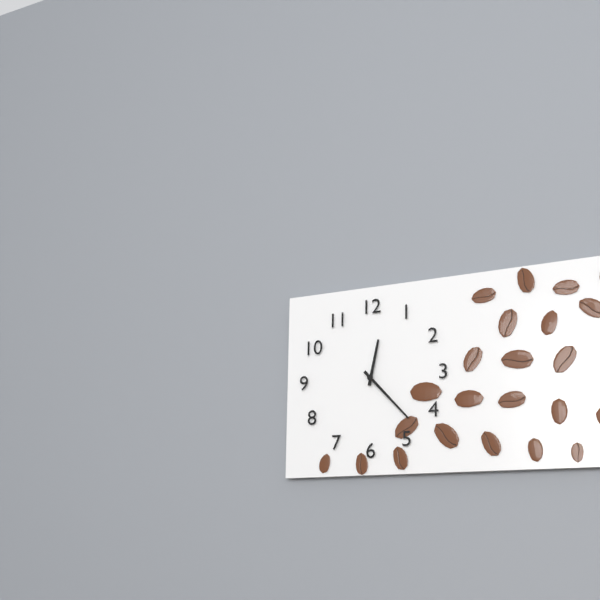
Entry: 12 h 23 min
